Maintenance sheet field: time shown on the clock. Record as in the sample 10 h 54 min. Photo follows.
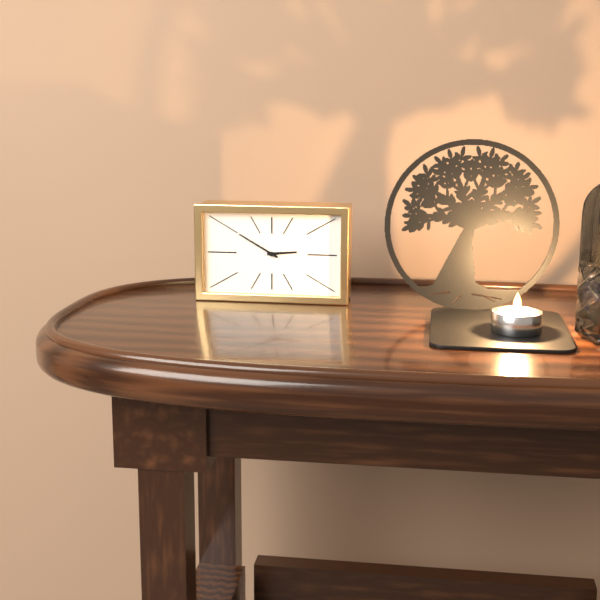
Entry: 2 h 50 min
